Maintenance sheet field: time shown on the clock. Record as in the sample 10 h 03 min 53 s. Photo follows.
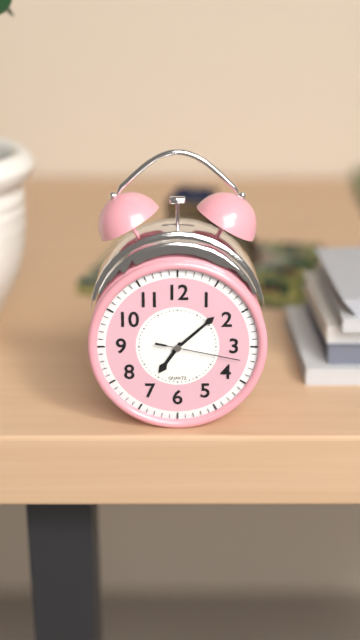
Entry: 7 h 08 min 17 s
